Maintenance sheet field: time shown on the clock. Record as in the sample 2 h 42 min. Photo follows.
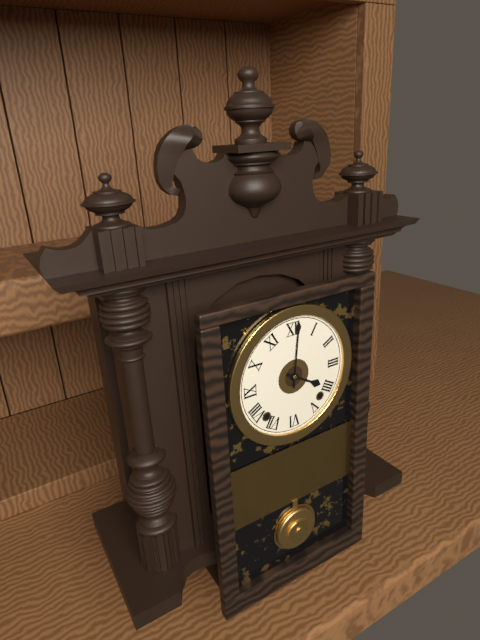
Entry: 4 h 01 min
